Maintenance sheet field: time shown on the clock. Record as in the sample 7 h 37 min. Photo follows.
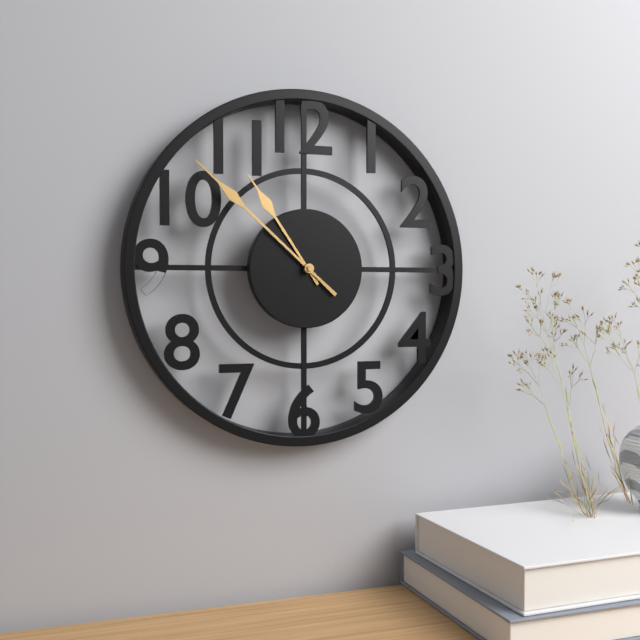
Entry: 10 h 52 min
